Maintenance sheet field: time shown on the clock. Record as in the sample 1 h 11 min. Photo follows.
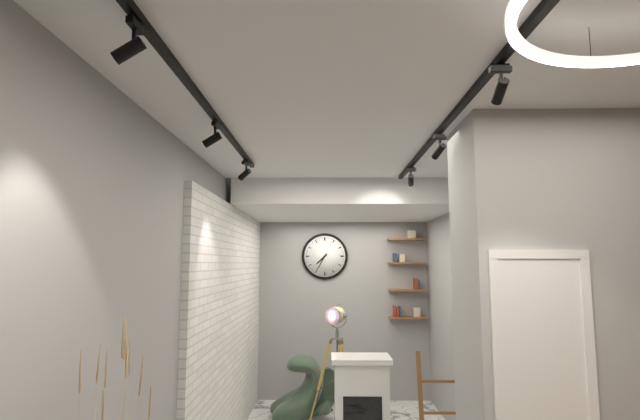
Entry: 7 h 35 min
